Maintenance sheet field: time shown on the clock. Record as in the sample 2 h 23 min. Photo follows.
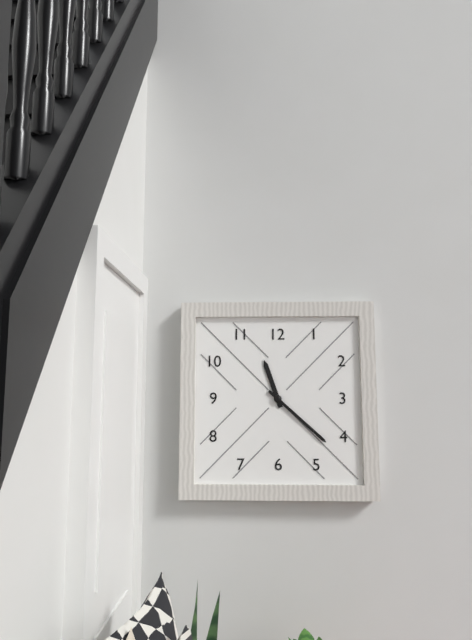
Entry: 11 h 22 min
